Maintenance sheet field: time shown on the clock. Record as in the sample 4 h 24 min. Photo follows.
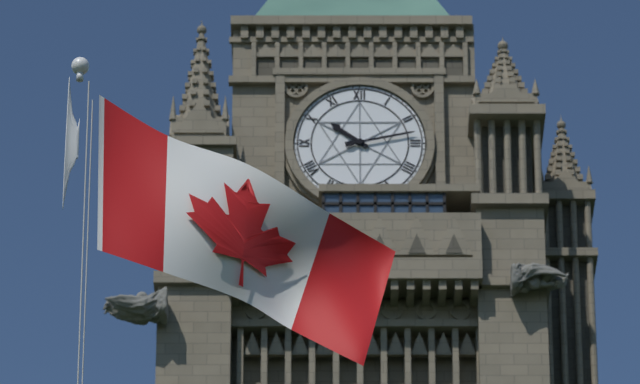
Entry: 10 h 13 min
